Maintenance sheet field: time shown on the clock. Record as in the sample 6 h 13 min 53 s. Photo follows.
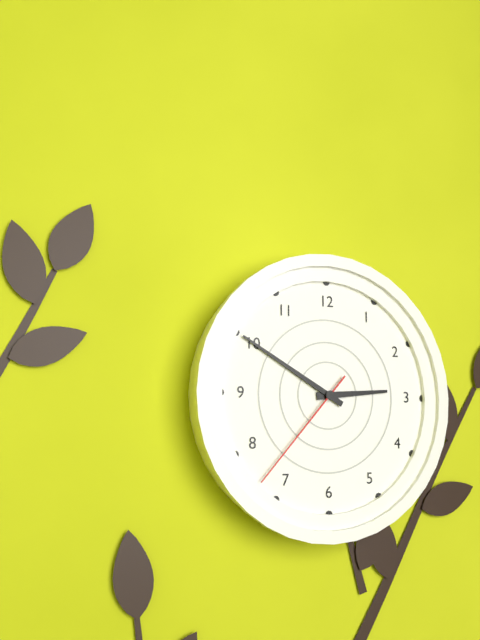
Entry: 2 h 50 min 37 s
